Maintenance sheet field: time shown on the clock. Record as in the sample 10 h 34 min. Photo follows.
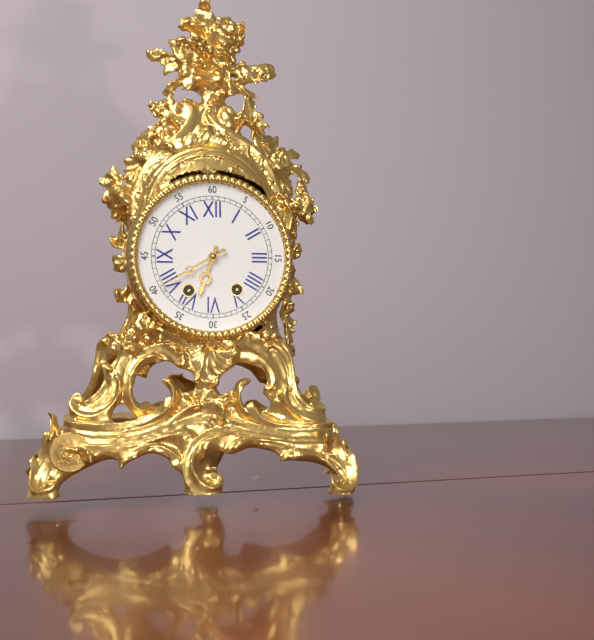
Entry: 6 h 40 min
